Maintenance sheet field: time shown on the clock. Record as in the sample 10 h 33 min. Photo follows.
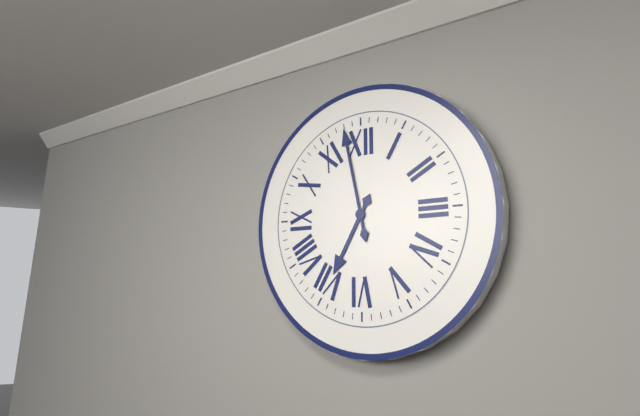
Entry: 6 h 58 min
